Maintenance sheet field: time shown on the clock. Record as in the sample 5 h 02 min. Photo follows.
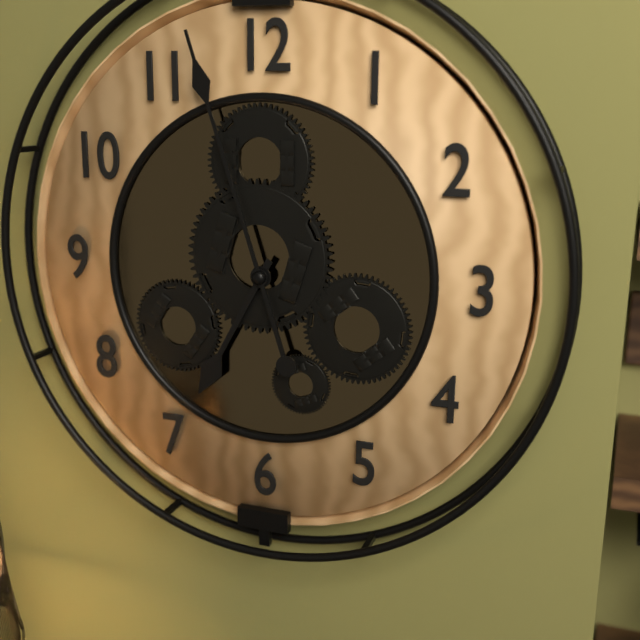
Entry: 6 h 57 min
